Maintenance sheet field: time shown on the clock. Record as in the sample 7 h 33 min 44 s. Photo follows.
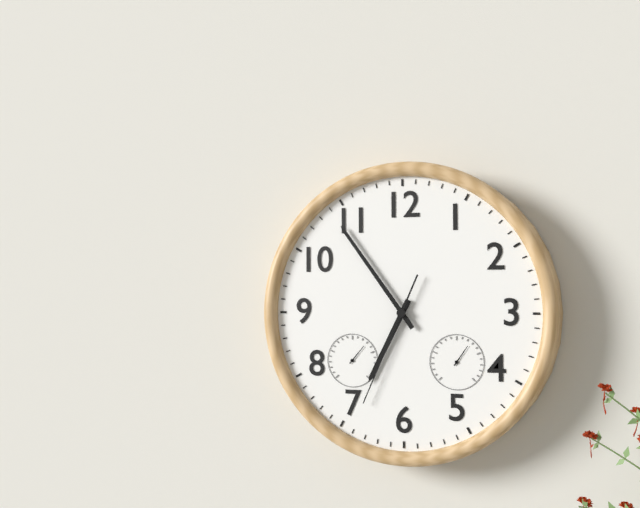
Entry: 6 h 54 min 34 s
